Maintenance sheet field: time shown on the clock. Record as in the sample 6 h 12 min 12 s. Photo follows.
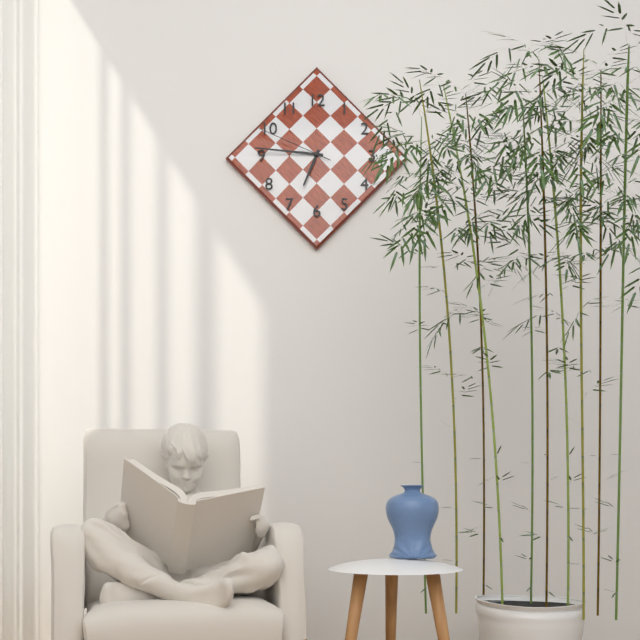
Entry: 6 h 46 min 49 s
